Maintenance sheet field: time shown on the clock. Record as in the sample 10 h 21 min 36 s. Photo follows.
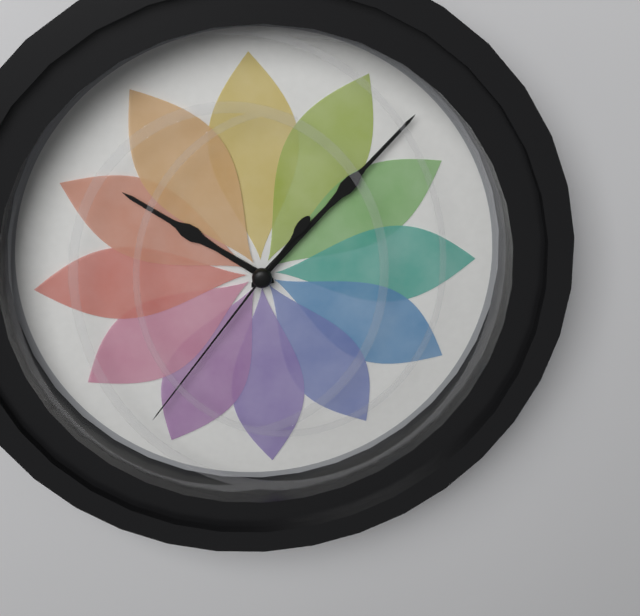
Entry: 10 h 07 min 36 s
